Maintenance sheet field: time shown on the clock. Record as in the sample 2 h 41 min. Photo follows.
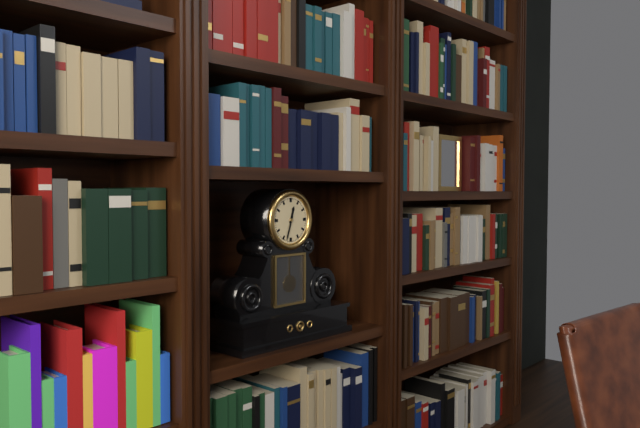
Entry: 12 h 33 min
